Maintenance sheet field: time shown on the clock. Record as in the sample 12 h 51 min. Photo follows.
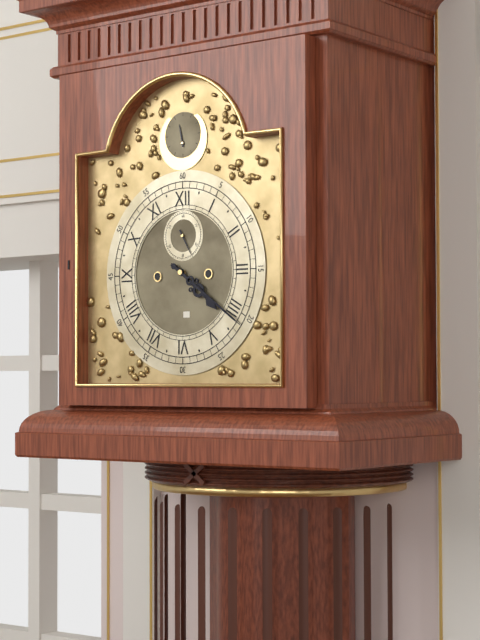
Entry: 4 h 21 min
